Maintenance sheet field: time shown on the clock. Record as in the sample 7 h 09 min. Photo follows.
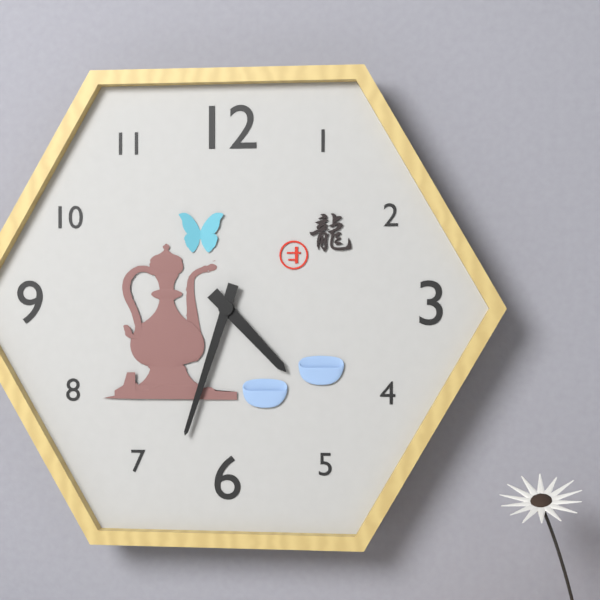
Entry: 4 h 33 min
